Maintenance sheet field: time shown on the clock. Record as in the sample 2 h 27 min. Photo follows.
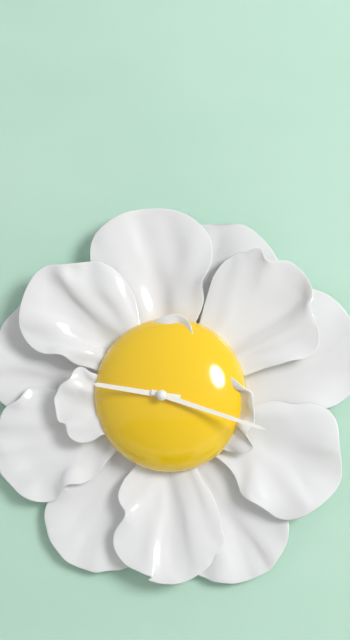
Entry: 9 h 18 min
